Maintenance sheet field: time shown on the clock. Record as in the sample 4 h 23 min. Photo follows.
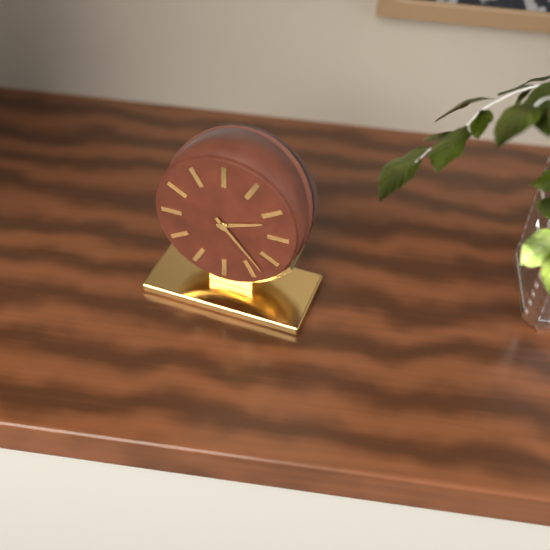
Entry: 2 h 23 min
